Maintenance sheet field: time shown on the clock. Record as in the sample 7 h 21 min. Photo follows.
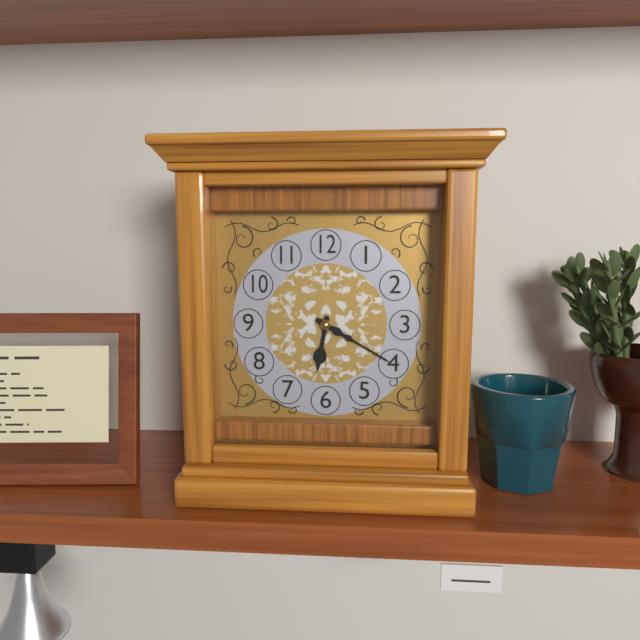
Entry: 6 h 20 min
